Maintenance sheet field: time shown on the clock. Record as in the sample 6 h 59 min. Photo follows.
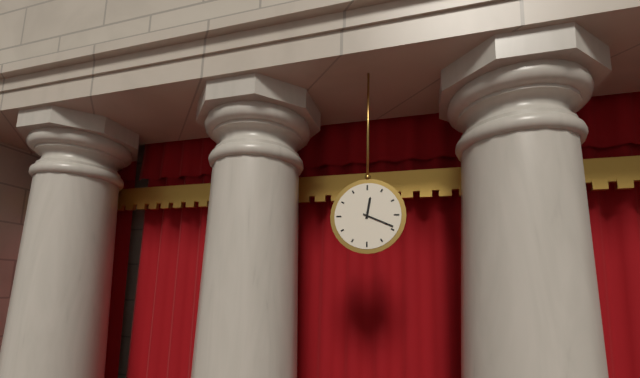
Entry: 12 h 19 min
